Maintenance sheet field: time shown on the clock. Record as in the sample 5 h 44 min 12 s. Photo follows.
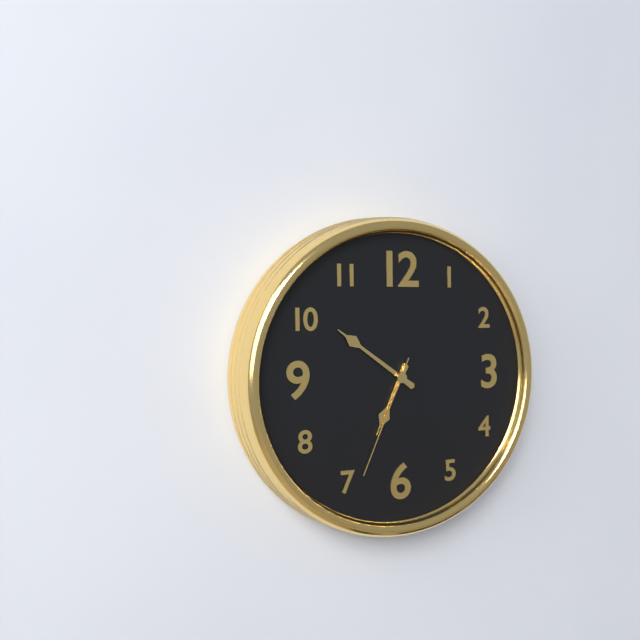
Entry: 6 h 51 min 34 s
